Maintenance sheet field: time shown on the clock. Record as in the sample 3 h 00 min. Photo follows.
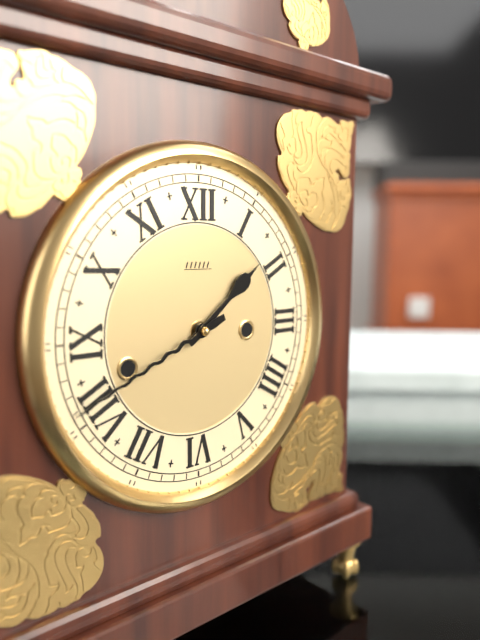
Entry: 1 h 41 min
